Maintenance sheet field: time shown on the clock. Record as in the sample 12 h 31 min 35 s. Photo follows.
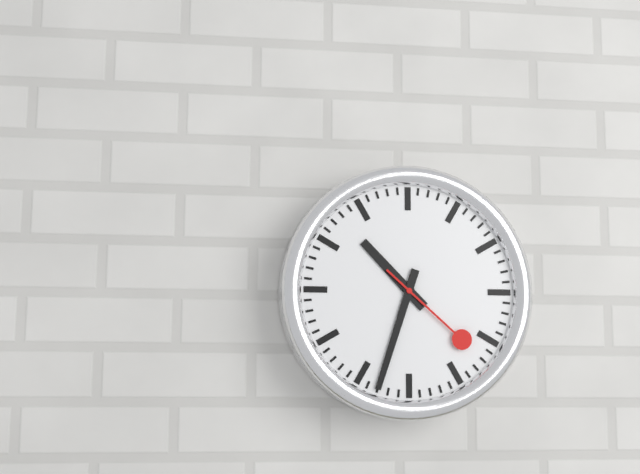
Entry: 10 h 33 min 22 s
